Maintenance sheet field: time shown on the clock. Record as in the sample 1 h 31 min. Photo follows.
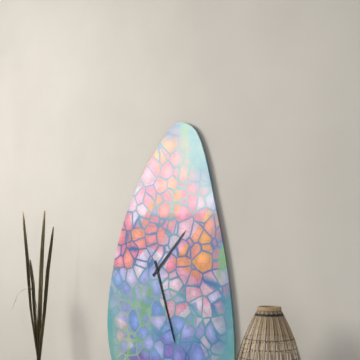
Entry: 1 h 27 min
